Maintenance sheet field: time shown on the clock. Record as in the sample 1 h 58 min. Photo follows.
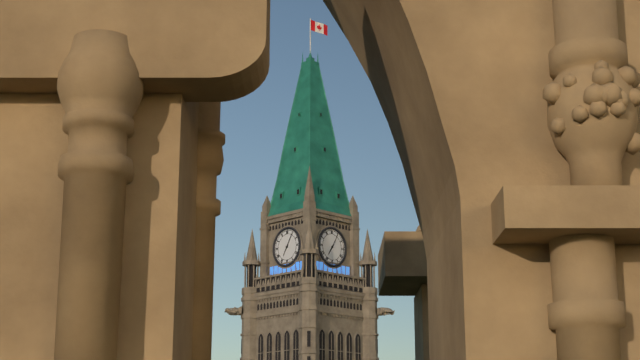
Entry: 7 h 05 min
